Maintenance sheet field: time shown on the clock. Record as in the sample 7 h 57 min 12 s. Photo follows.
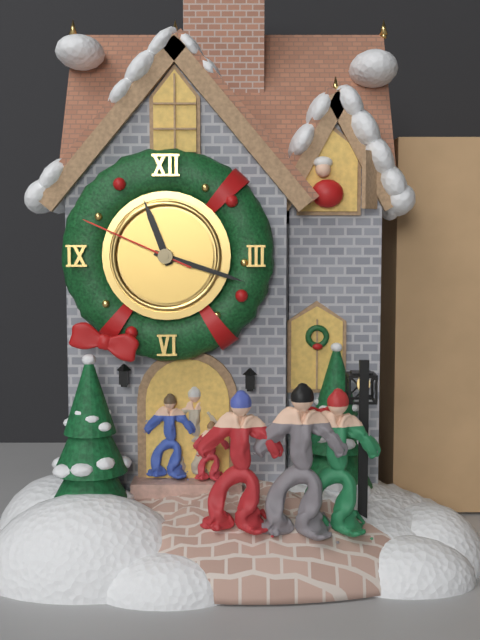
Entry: 11 h 18 min 49 s
